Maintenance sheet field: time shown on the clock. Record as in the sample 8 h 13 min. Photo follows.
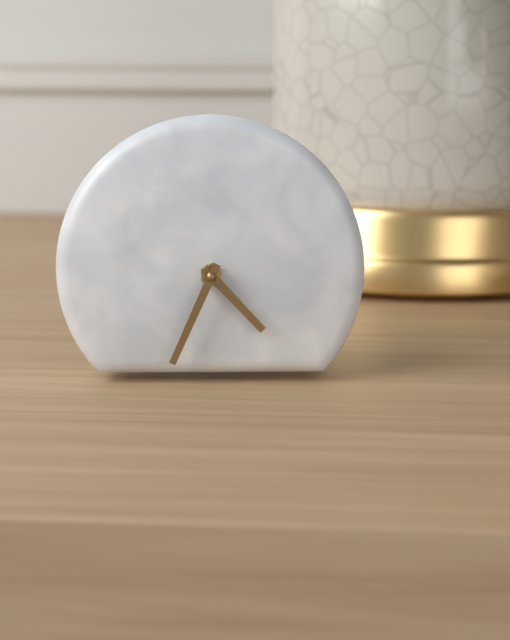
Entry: 4 h 34 min
